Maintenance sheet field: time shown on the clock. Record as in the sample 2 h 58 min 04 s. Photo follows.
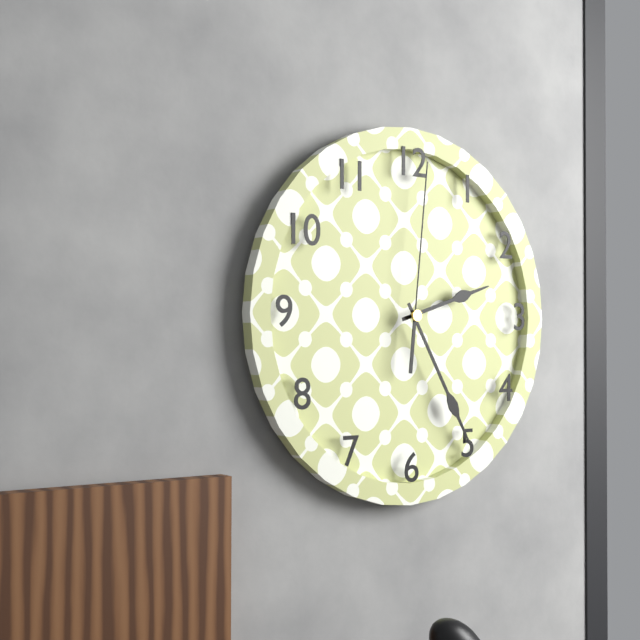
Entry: 2 h 25 min 01 s
